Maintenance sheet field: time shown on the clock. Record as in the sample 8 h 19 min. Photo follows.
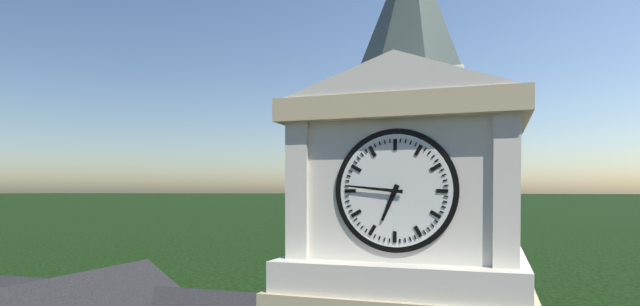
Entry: 6 h 46 min
